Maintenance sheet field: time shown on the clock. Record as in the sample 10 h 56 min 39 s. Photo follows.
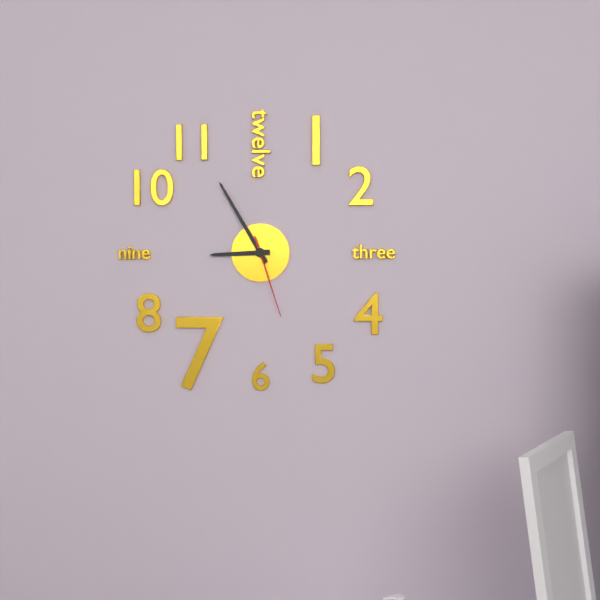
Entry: 8 h 55 min 27 s
